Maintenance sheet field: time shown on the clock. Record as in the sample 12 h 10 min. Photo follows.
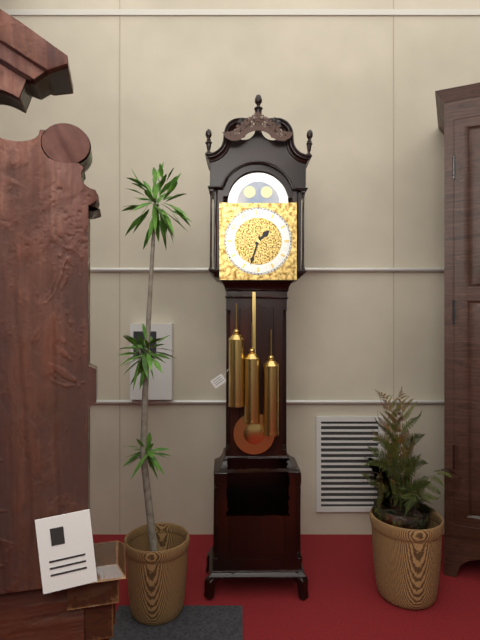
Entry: 1 h 33 min
